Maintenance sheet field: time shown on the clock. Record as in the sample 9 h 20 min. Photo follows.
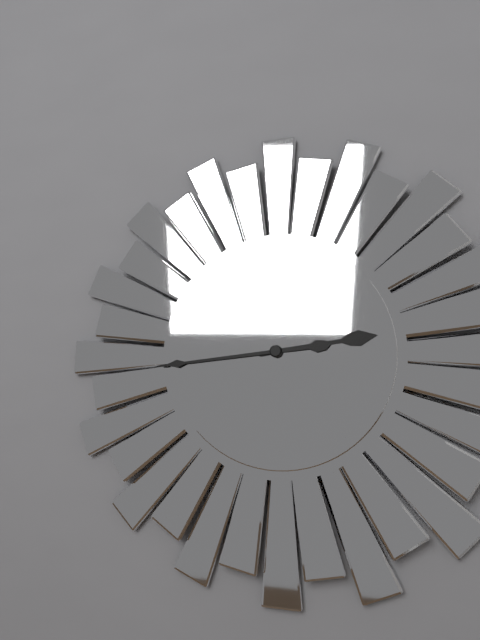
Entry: 2 h 44 min
